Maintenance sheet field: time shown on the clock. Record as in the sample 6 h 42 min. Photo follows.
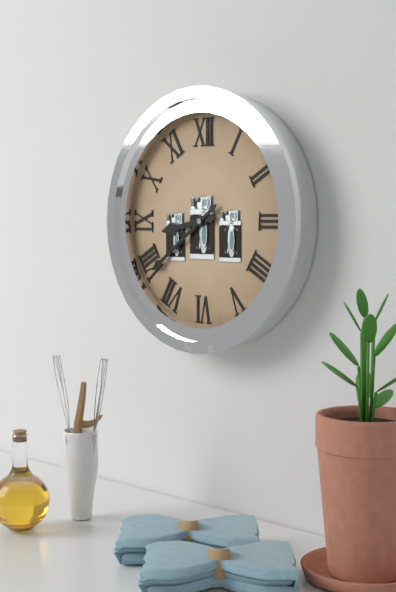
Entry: 8 h 39 min
